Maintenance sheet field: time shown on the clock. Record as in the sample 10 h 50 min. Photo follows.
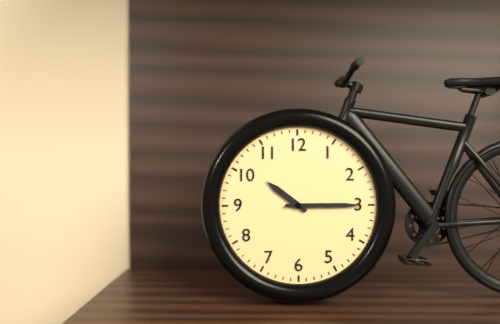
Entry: 10 h 15 min
